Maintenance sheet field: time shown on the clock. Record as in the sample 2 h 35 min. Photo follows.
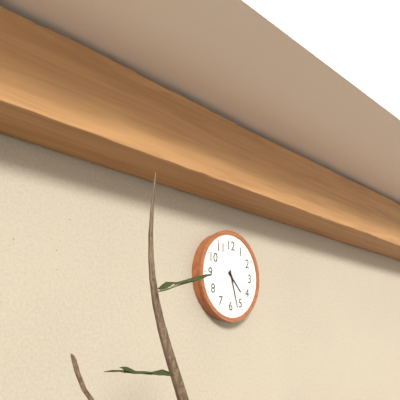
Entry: 4 h 27 min
